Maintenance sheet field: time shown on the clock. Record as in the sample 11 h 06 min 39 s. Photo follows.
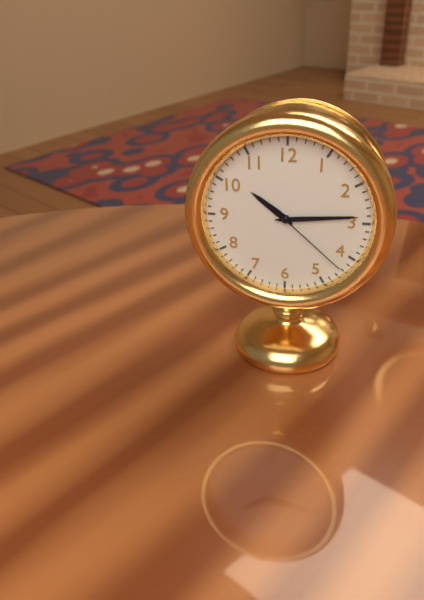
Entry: 10 h 14 min 22 s
